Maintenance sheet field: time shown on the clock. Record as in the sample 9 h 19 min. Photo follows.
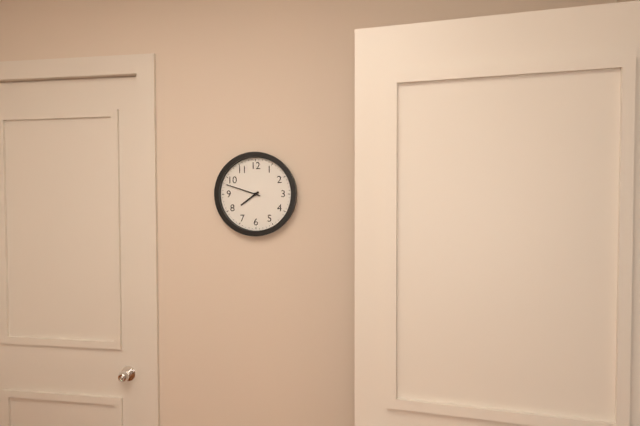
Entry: 7 h 48 min
